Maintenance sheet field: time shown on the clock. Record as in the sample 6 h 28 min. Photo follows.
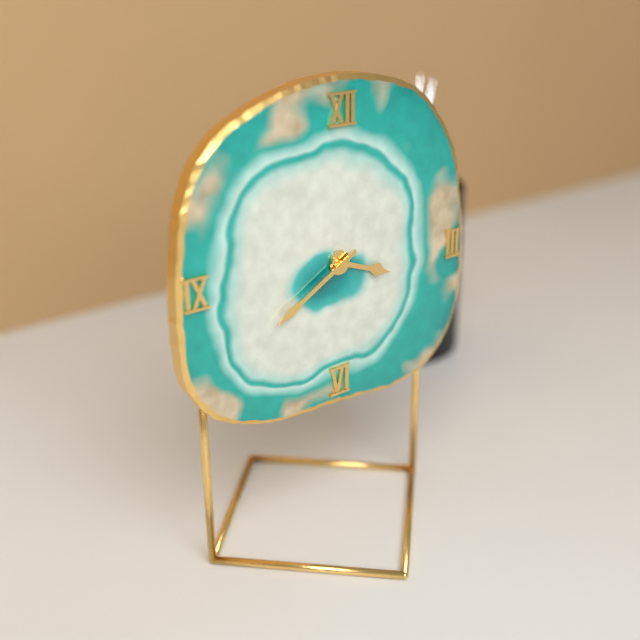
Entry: 3 h 40 min
